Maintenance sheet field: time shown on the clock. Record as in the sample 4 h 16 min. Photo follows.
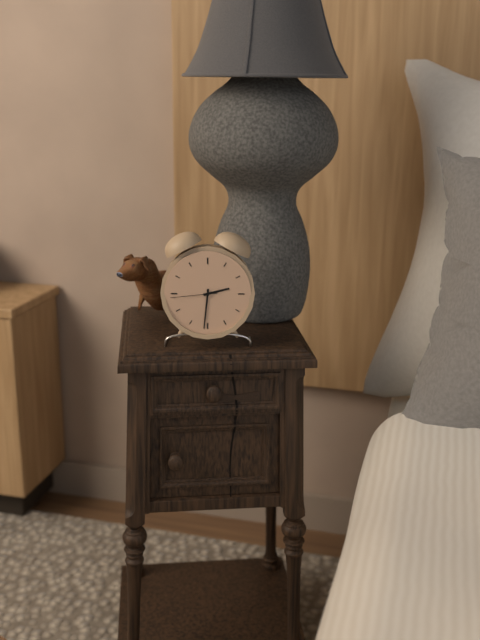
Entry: 2 h 31 min
